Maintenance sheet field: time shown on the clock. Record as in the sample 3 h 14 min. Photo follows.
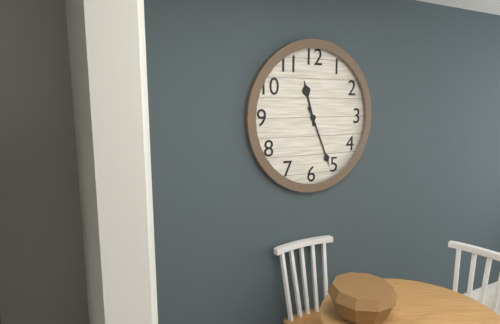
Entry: 11 h 26 min
